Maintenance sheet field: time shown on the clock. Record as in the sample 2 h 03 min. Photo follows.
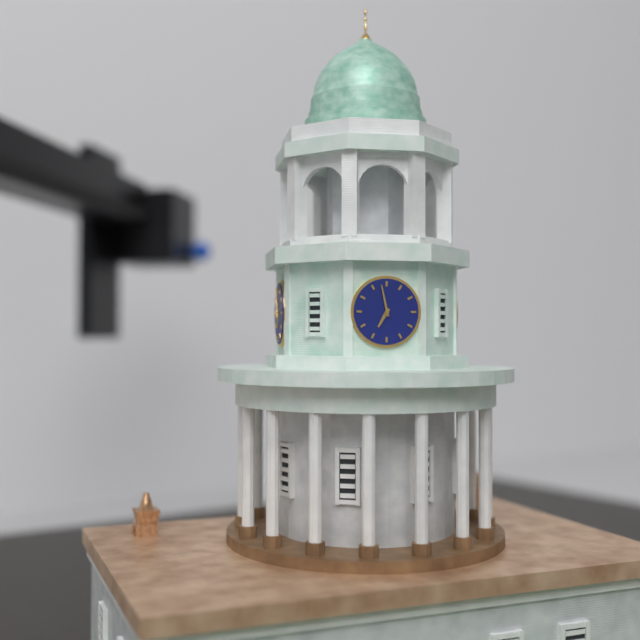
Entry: 6 h 58 min
